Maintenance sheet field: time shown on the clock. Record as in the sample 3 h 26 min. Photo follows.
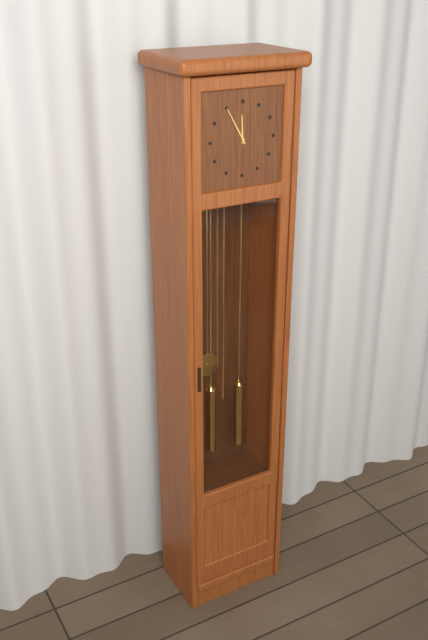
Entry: 11 h 55 min
